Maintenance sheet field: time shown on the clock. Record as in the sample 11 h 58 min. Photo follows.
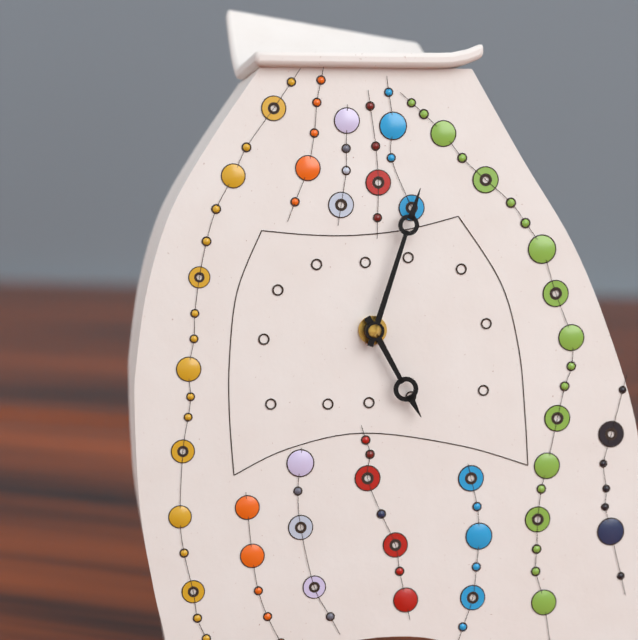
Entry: 5 h 03 min
